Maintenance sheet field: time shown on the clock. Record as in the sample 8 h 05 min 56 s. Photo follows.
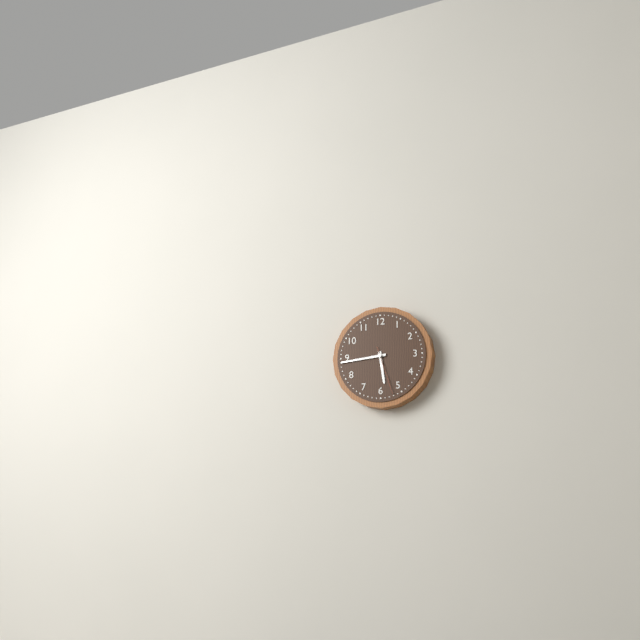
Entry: 5 h 44 min 27 s
